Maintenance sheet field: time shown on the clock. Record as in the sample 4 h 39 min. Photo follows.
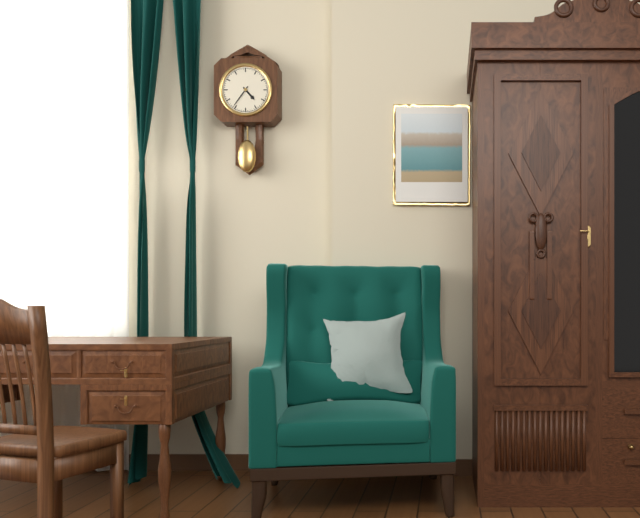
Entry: 4 h 36 min
